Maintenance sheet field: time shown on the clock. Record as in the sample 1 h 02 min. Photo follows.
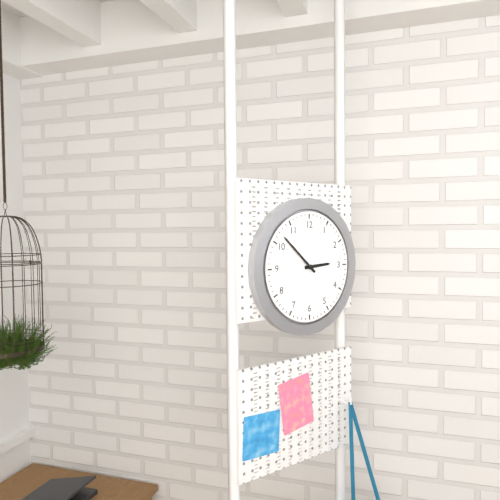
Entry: 2 h 52 min
